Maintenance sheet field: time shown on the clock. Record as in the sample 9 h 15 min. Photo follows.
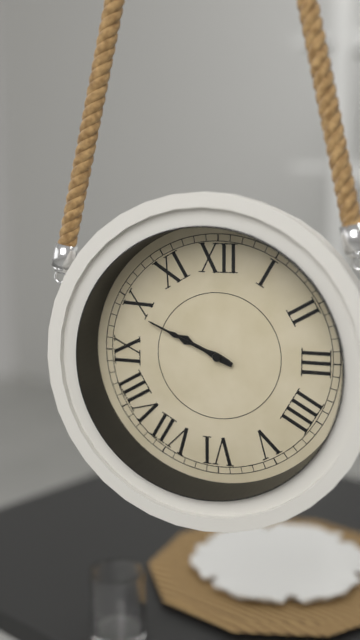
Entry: 9 h 49 min
